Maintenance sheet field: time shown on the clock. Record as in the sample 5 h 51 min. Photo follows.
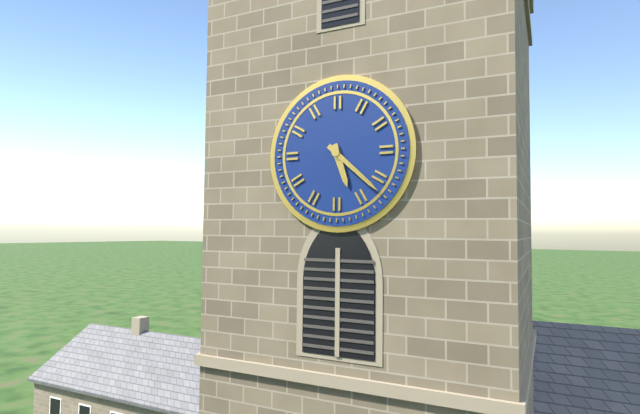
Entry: 5 h 22 min
